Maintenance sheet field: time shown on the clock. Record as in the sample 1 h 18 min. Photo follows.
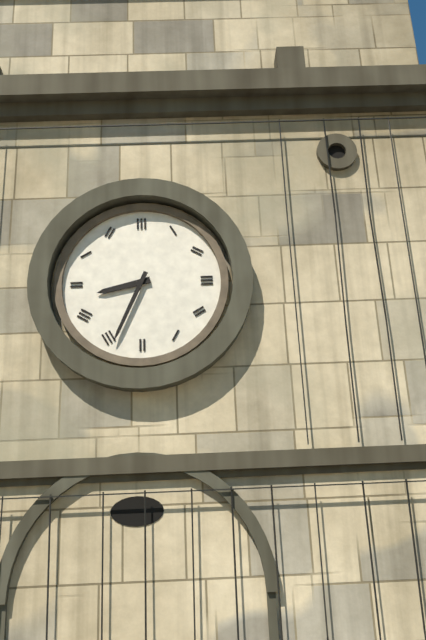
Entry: 8 h 34 min
